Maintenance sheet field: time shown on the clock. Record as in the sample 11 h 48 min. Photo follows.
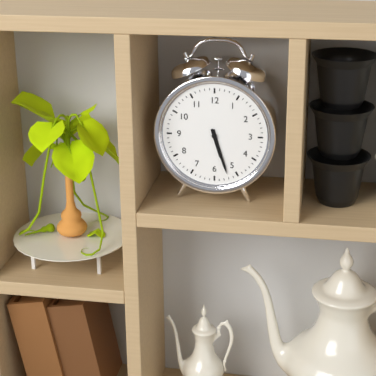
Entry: 5 h 27 min
